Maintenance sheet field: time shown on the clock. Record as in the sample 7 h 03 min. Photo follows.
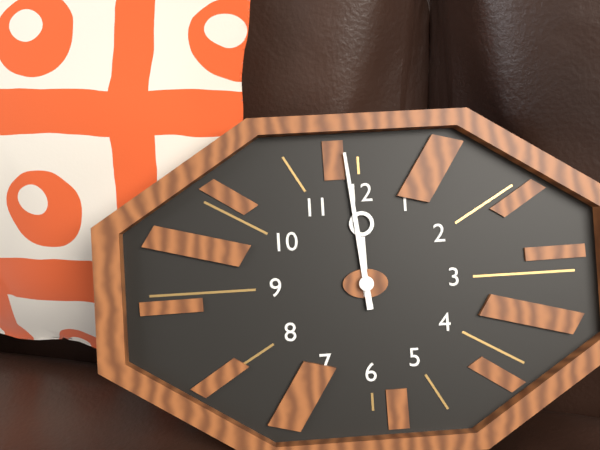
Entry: 11 h 59 min
